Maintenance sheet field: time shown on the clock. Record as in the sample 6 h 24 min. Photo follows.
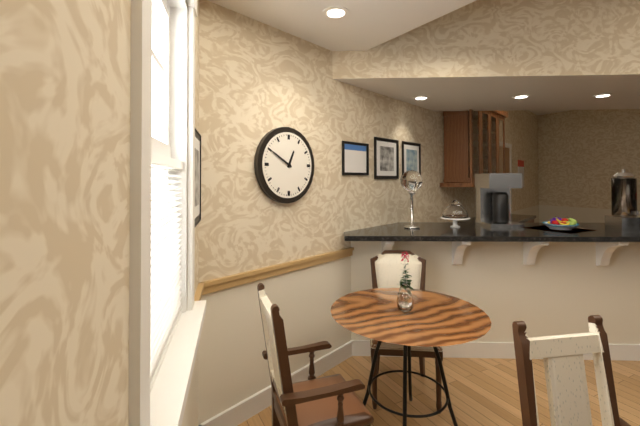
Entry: 12 h 50 min
